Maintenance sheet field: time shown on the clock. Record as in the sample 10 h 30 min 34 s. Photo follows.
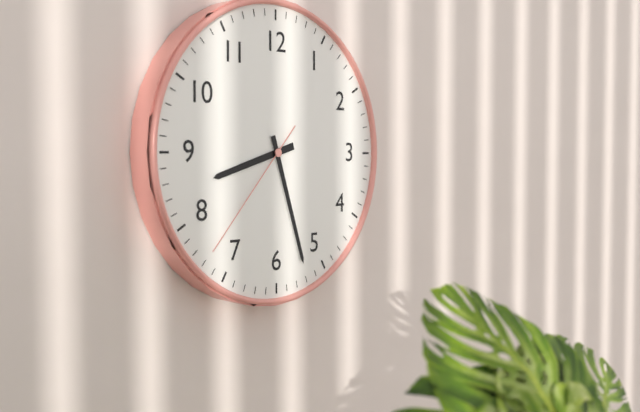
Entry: 8 h 27 min 37 s
